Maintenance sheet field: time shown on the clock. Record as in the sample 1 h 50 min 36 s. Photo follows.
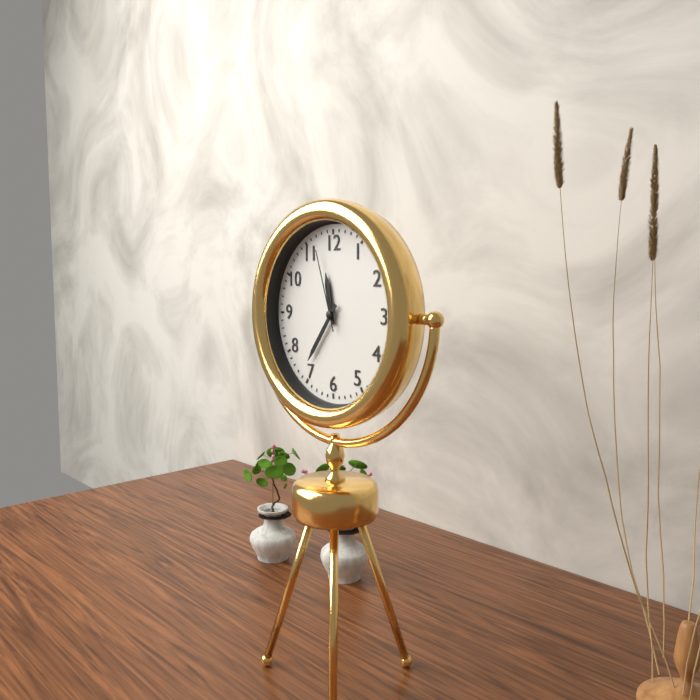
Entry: 11 h 36 min 57 s
